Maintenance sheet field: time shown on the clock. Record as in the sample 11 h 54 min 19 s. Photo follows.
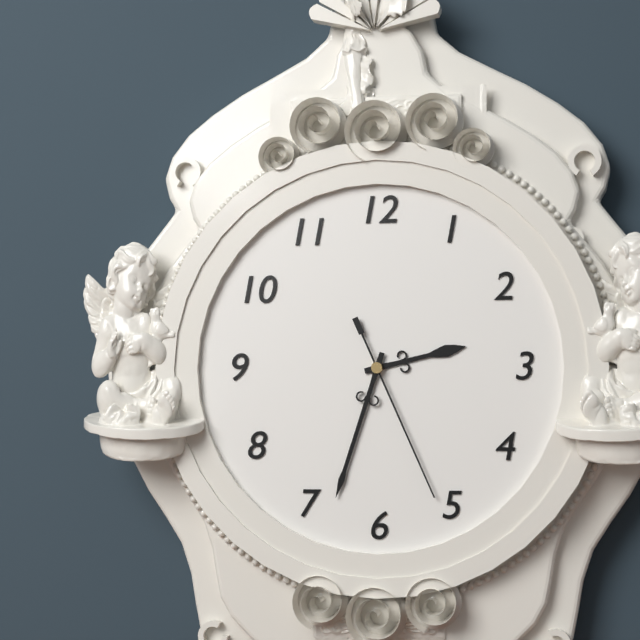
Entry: 2 h 33 min 26 s
